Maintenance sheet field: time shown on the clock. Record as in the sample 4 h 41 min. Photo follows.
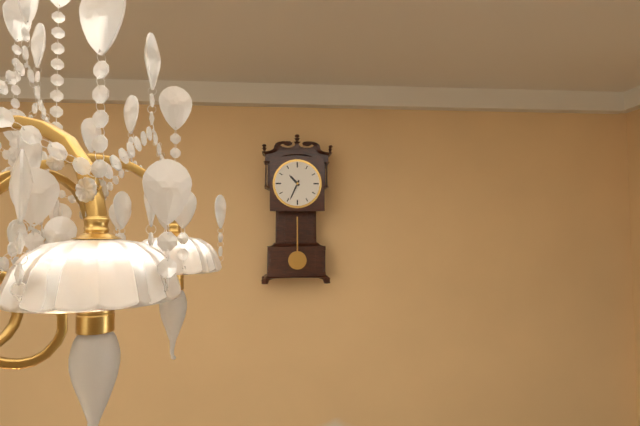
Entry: 10 h 34 min
